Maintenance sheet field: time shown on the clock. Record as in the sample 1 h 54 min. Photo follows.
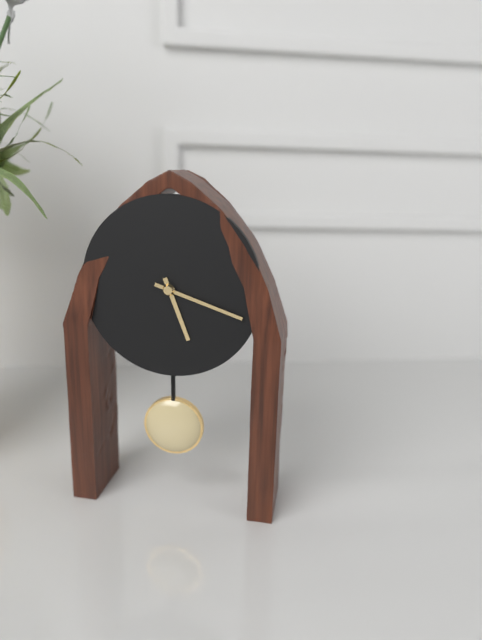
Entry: 5 h 18 min
